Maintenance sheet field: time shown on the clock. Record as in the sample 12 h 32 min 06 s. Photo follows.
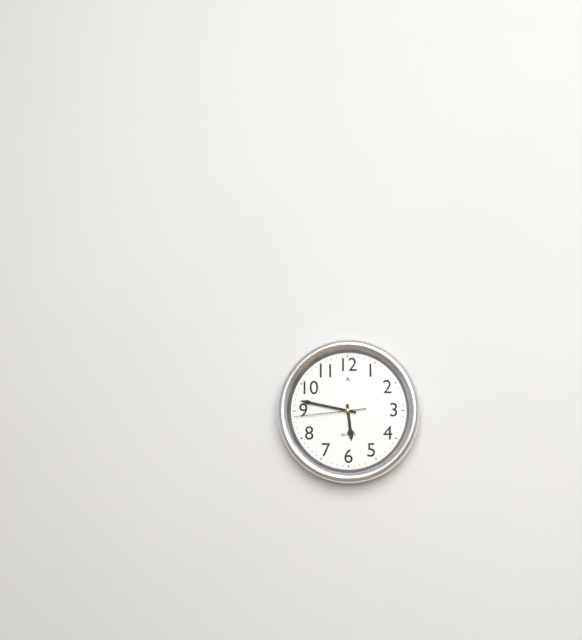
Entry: 5 h 47 min 44 s
